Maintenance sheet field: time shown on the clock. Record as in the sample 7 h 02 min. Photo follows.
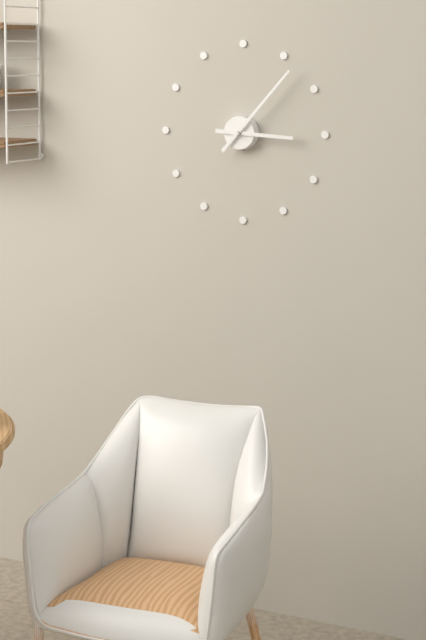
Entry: 3 h 07 min
